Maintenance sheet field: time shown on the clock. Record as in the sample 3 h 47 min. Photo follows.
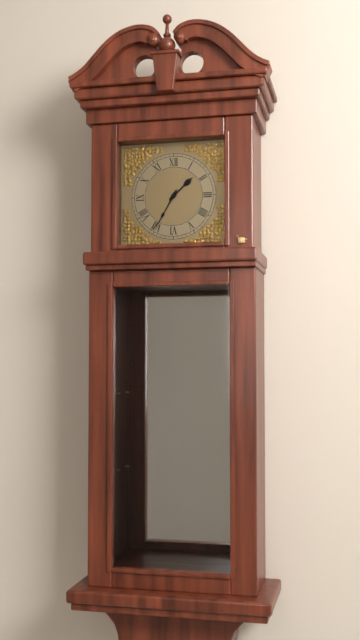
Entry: 1 h 35 min
